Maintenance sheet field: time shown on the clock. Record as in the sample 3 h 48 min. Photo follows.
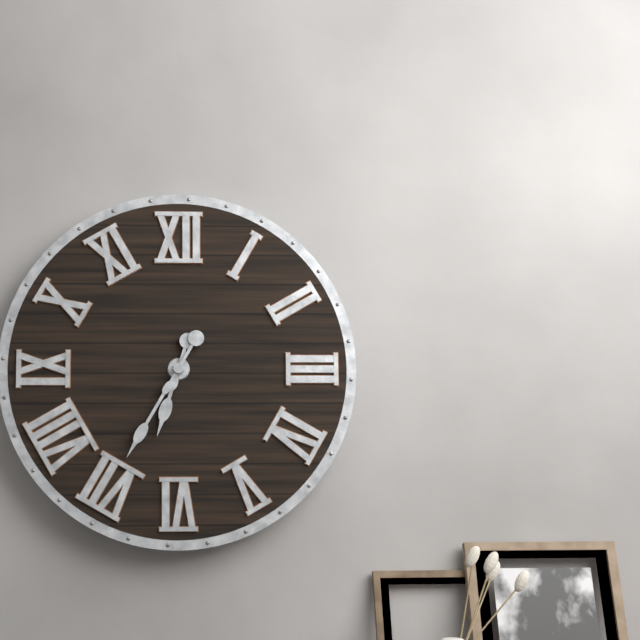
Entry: 6 h 35 min
